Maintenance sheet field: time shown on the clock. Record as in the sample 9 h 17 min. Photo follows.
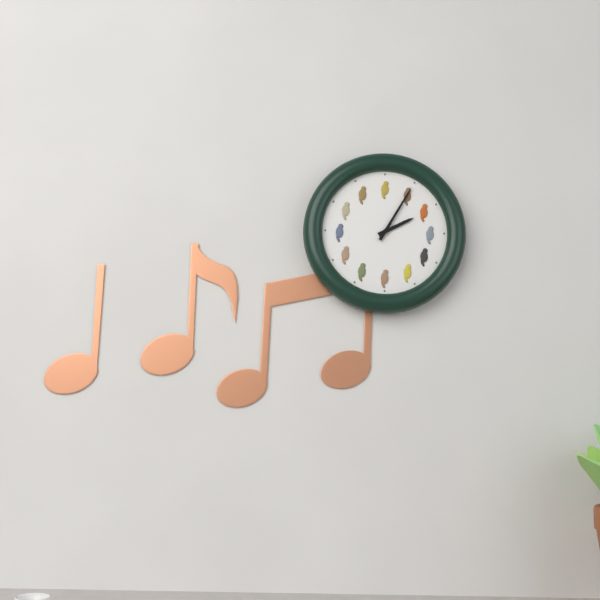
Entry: 2 h 05 min
